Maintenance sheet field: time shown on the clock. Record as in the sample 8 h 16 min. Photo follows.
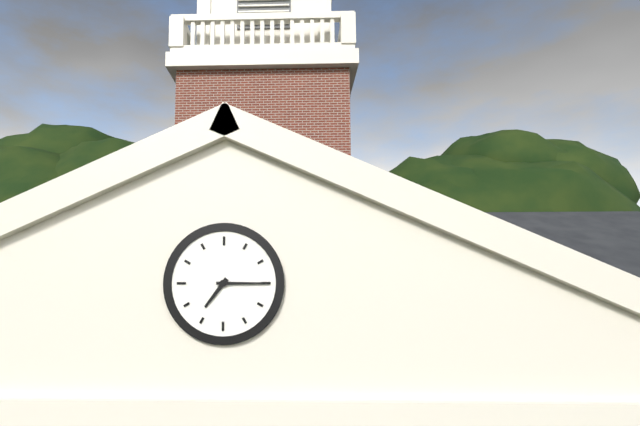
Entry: 7 h 15 min
